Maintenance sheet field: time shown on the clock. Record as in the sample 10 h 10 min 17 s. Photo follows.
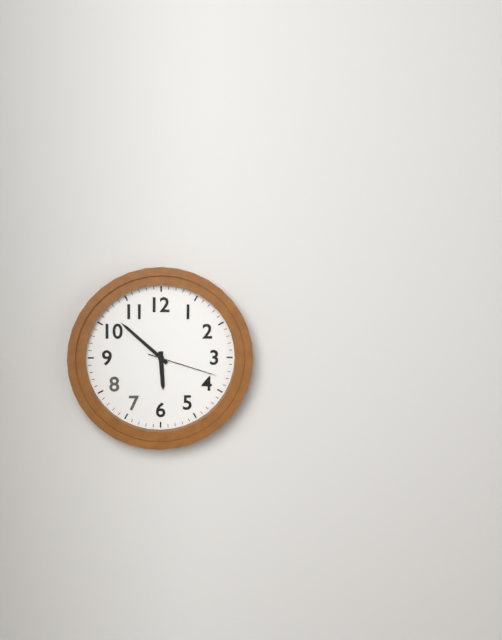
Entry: 5 h 52 min 18 s
